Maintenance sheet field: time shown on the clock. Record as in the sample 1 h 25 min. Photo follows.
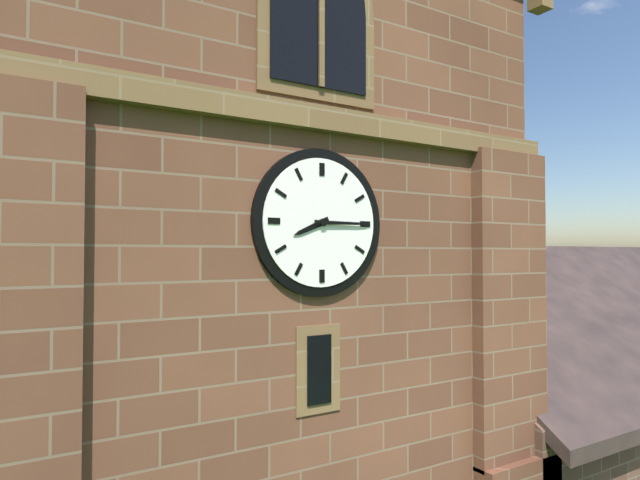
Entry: 8 h 15 min
